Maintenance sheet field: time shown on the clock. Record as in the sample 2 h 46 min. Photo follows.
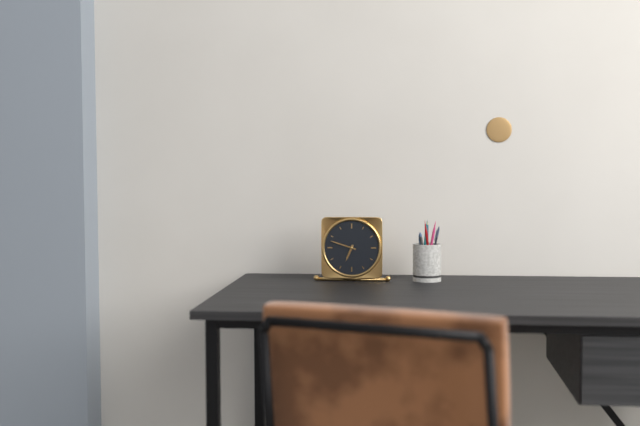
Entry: 6 h 48 min
